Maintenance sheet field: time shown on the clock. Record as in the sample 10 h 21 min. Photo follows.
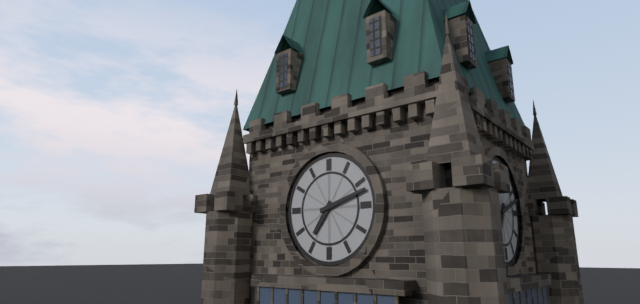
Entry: 7 h 12 min
